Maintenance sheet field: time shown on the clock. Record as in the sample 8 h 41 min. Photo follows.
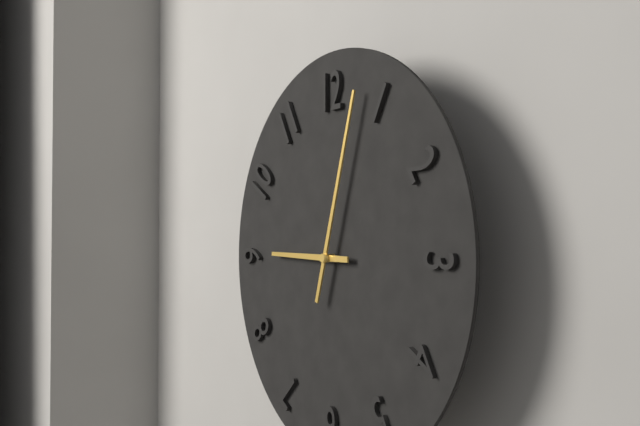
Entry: 9 h 03 min
